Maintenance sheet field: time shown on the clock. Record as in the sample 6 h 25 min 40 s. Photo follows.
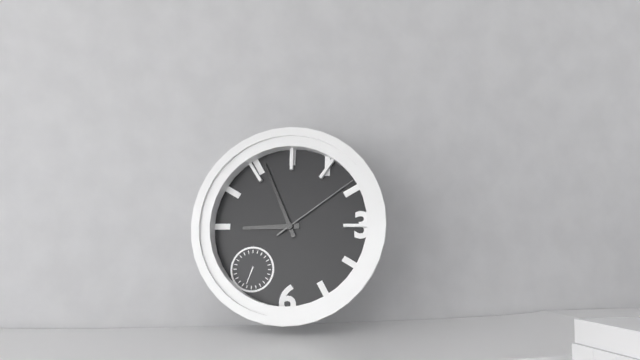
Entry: 8 h 56 min 09 s
